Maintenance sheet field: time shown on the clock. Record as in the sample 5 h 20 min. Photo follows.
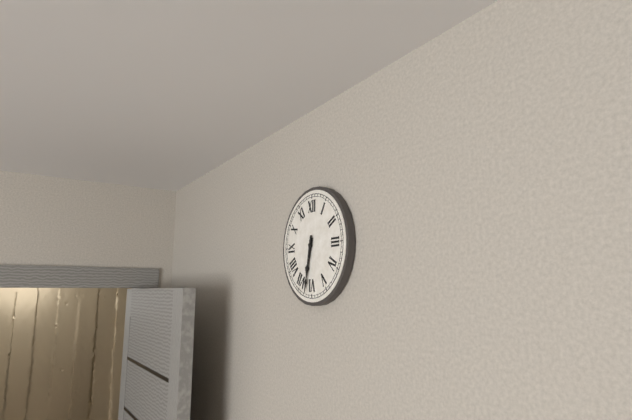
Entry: 6 h 32 min
